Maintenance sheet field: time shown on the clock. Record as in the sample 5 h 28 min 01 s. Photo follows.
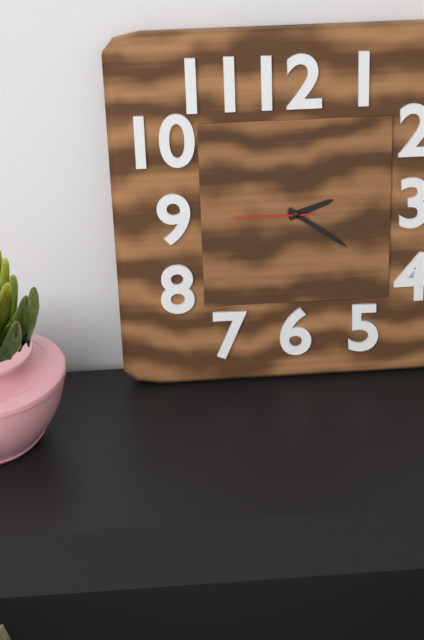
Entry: 2 h 21 min 45 s
